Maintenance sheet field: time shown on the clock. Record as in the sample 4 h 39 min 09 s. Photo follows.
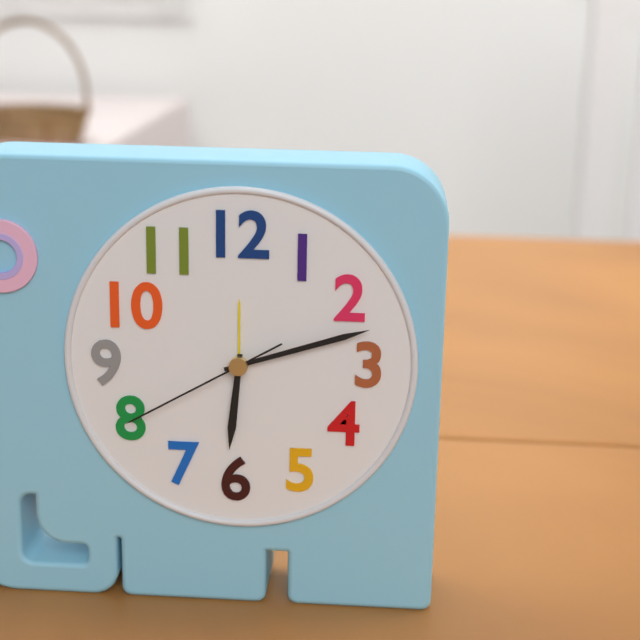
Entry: 6 h 12 min 40 s
